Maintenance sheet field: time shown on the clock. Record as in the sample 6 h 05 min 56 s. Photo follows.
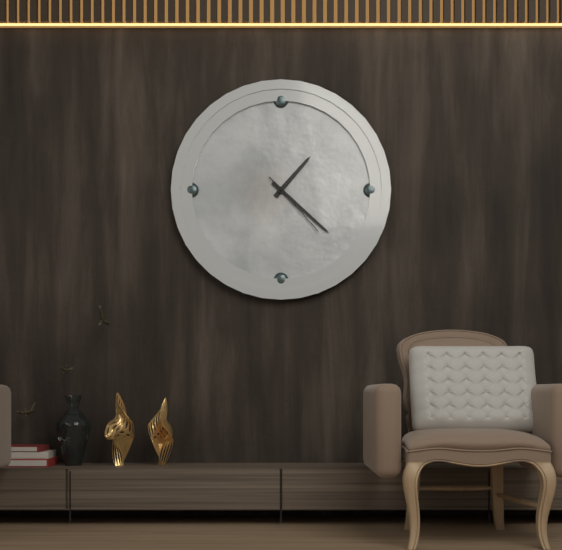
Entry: 1 h 22 min 23 s
